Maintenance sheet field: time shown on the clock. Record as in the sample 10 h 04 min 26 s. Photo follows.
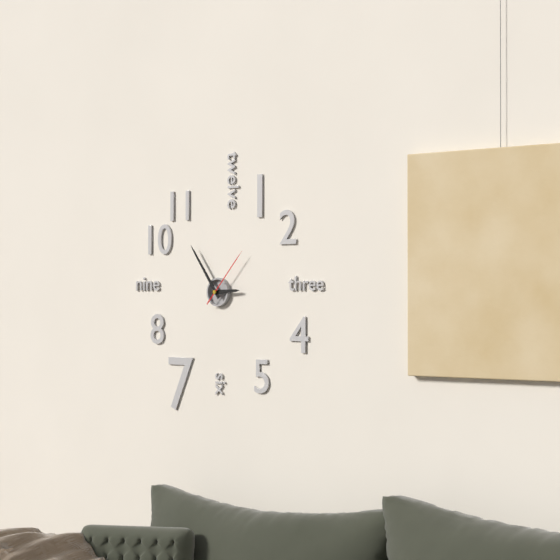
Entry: 2 h 54 min 07 s
